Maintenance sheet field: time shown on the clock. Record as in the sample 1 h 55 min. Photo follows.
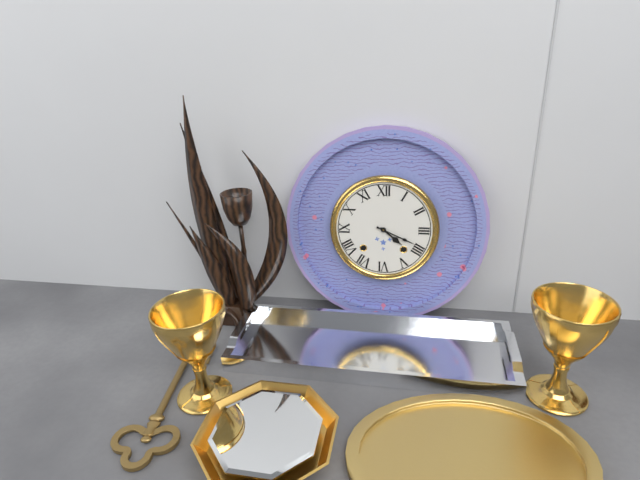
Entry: 4 h 19 min
